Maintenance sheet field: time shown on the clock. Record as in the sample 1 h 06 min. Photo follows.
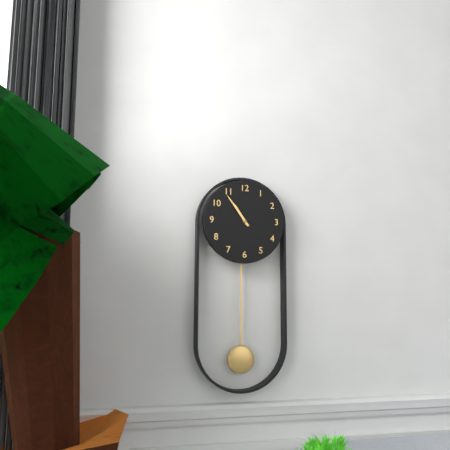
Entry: 10 h 54 min
